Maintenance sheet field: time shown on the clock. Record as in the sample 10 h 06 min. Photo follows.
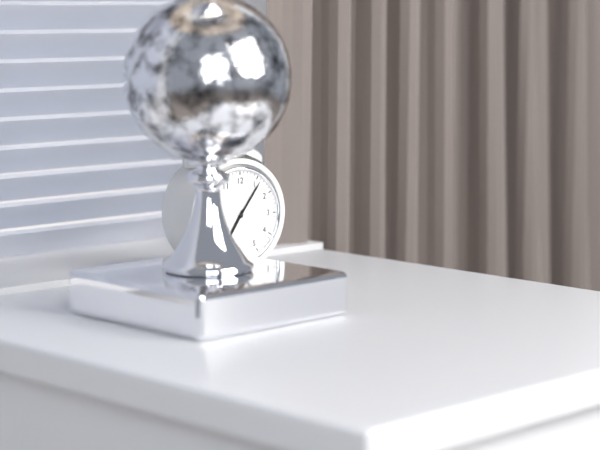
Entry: 7 h 06 min
